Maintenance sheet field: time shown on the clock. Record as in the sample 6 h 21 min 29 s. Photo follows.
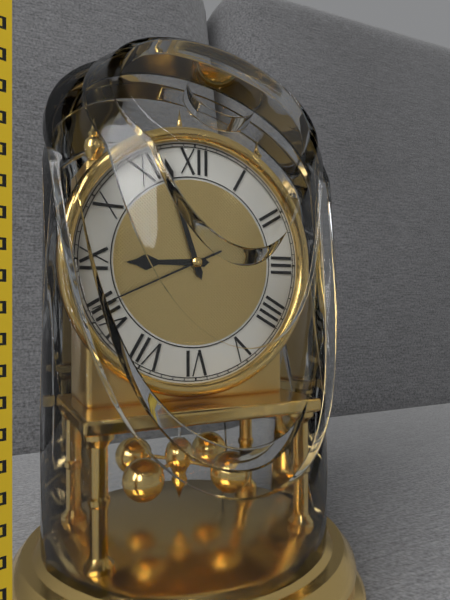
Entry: 8 h 57 min 41 s
